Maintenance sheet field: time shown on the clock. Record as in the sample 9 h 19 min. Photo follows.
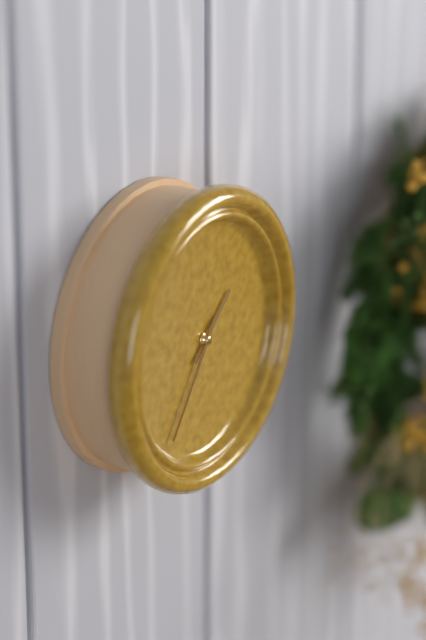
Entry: 1 h 36 min
